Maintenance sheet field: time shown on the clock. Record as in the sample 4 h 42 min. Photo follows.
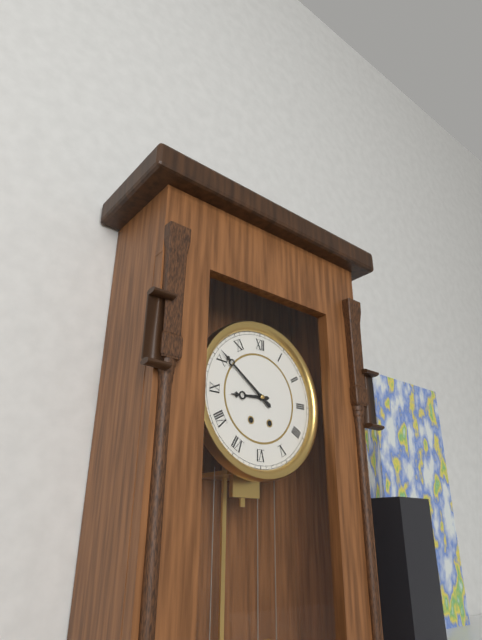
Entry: 8 h 51 min
